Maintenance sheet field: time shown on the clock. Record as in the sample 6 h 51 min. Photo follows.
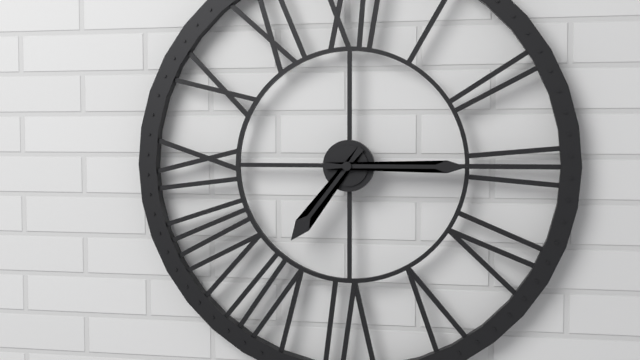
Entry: 7 h 15 min
